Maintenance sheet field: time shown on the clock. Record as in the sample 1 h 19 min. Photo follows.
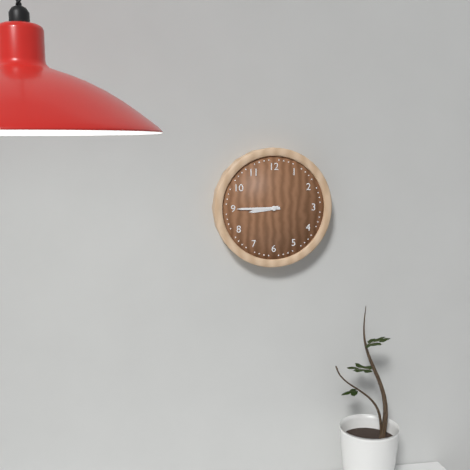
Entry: 8 h 45 min
